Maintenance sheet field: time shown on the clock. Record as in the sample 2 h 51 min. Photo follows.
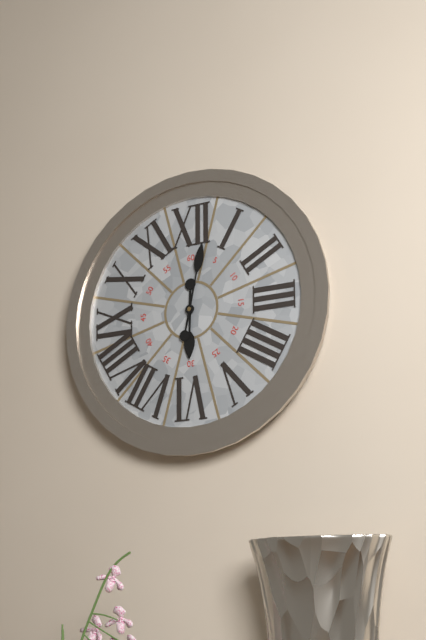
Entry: 6 h 02 min
